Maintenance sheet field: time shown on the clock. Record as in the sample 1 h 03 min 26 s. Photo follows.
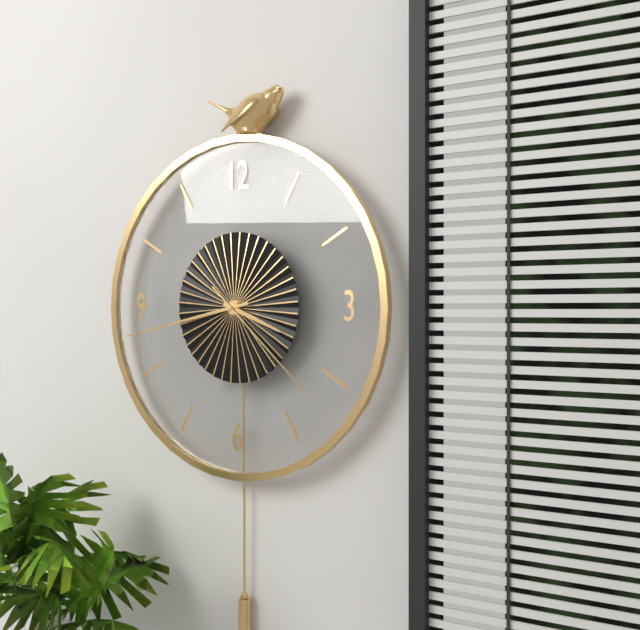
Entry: 3 h 43 min 22 s
